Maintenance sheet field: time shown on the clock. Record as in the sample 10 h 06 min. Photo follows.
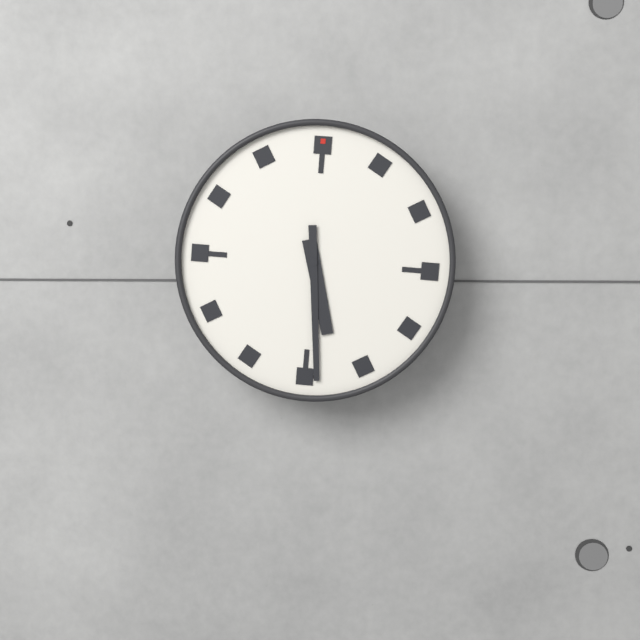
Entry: 5 h 29 min
